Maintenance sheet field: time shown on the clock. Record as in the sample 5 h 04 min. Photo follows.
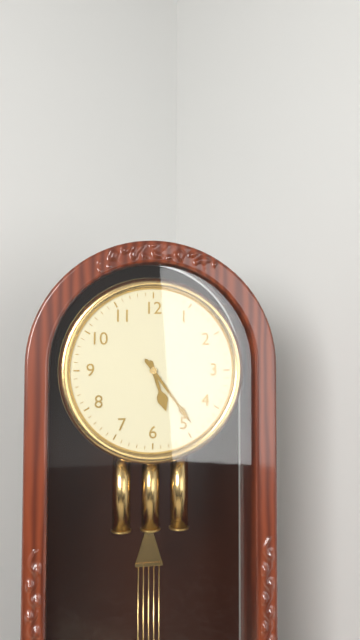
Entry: 5 h 24 min
